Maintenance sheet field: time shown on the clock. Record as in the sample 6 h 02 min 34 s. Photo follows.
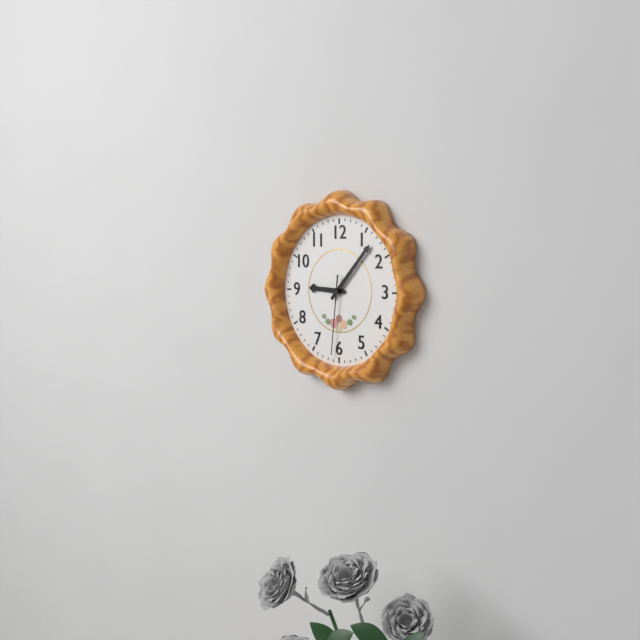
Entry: 9 h 07 min 31 s
